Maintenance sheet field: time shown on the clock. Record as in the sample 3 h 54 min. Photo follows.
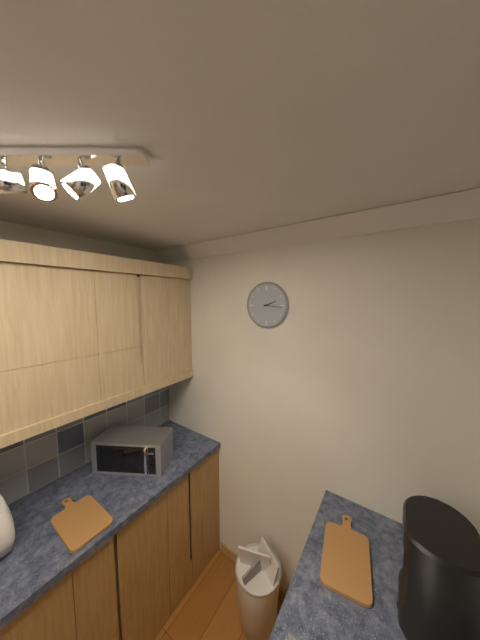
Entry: 2 h 16 min
